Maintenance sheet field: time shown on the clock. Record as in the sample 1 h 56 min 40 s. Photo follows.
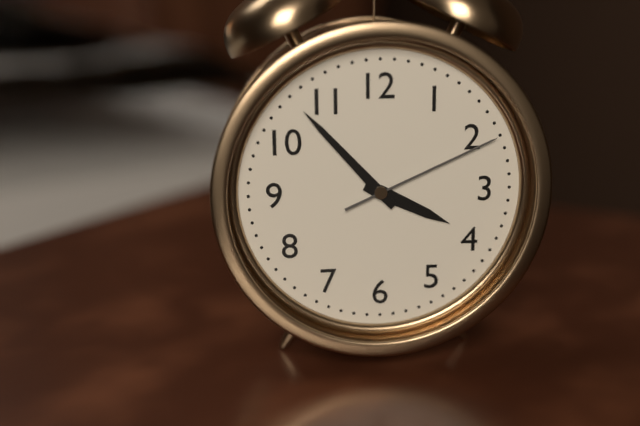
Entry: 3 h 53 min 11 s
